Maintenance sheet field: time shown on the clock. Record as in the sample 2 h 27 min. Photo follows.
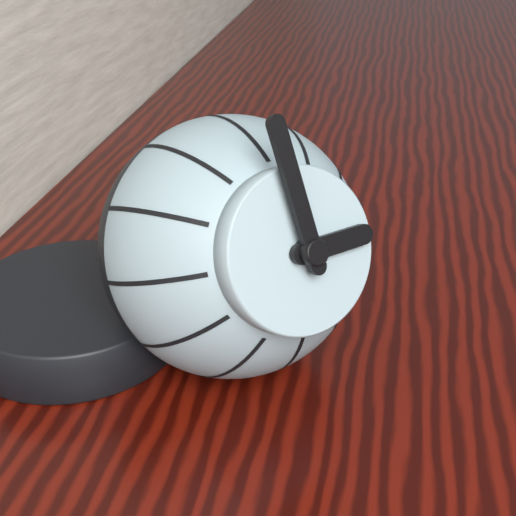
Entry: 2 h 59 min
